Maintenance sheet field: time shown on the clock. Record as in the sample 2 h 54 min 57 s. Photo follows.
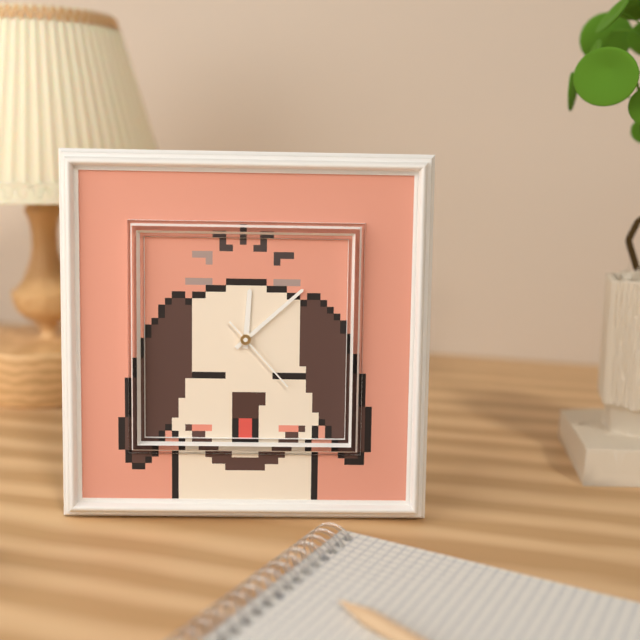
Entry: 12 h 08 min 23 s
